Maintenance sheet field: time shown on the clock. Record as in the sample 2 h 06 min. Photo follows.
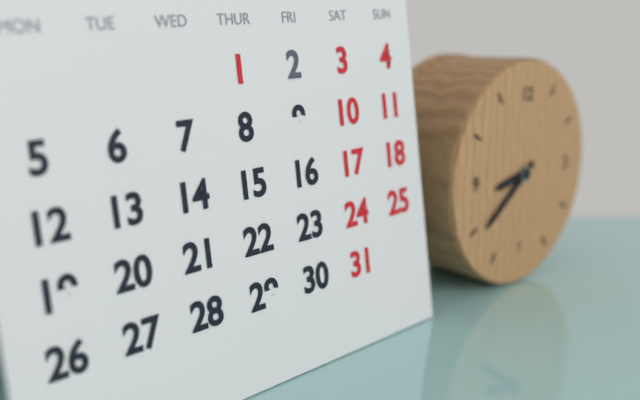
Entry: 8 h 39 min
